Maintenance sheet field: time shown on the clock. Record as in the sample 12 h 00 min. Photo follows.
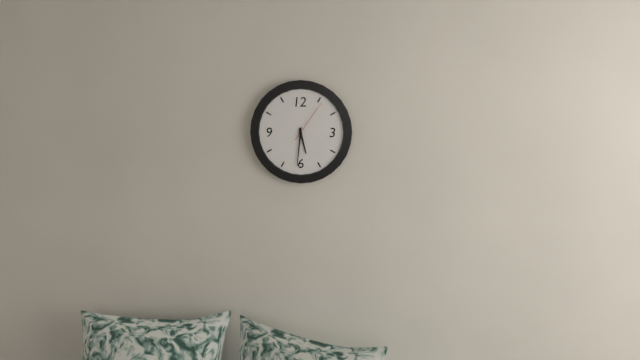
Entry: 5 h 31 min
